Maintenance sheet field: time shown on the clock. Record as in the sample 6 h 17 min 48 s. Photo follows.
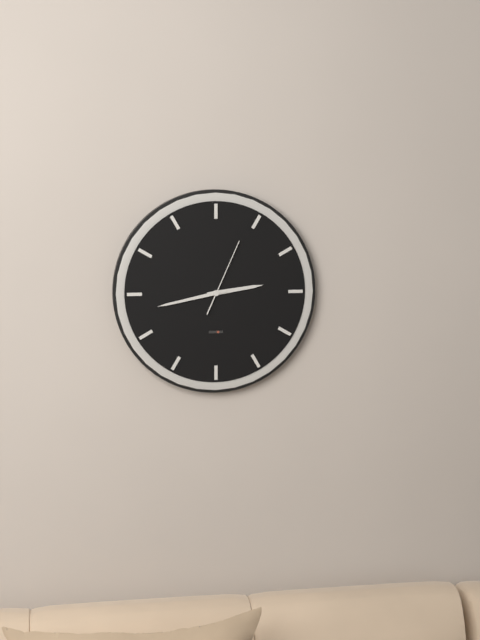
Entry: 2 h 43 min 04 s
